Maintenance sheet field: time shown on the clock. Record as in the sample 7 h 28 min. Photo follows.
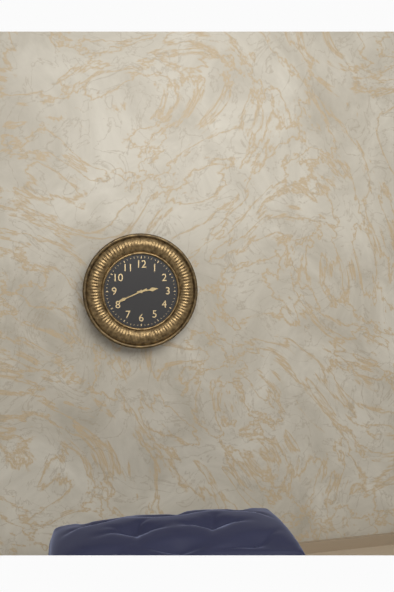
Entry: 2 h 41 min
